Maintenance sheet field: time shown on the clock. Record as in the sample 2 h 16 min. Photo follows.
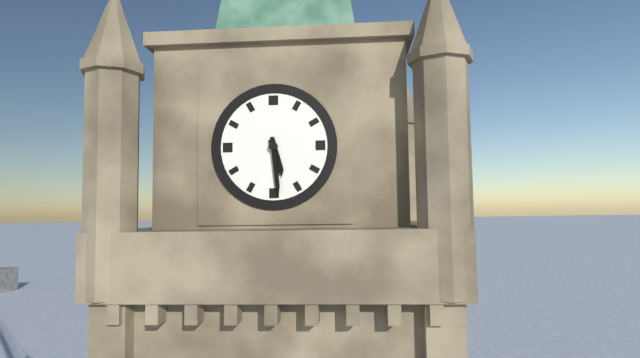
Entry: 5 h 29 min
